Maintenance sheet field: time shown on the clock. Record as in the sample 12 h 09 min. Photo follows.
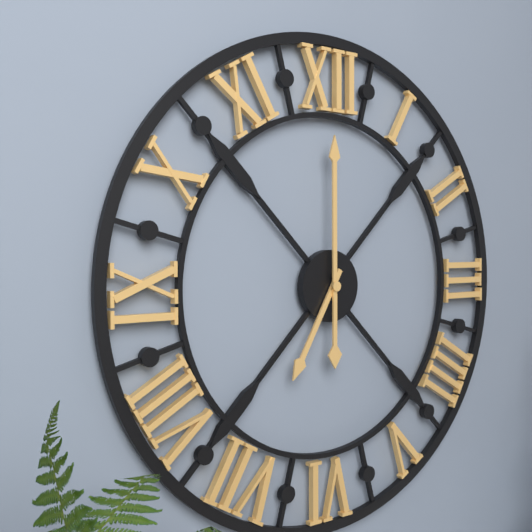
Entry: 7 h 00 min
